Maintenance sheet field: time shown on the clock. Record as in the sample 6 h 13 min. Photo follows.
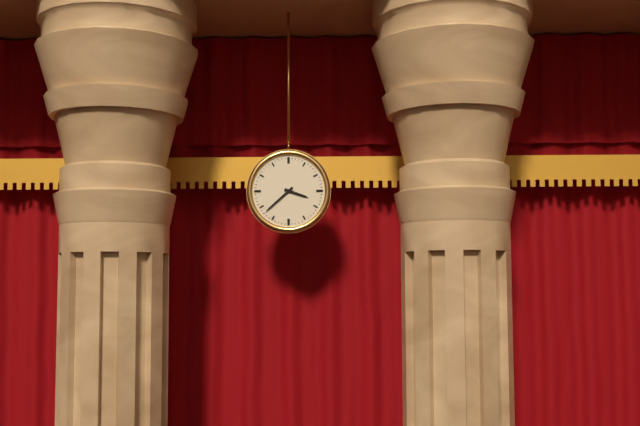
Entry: 3 h 38 min
